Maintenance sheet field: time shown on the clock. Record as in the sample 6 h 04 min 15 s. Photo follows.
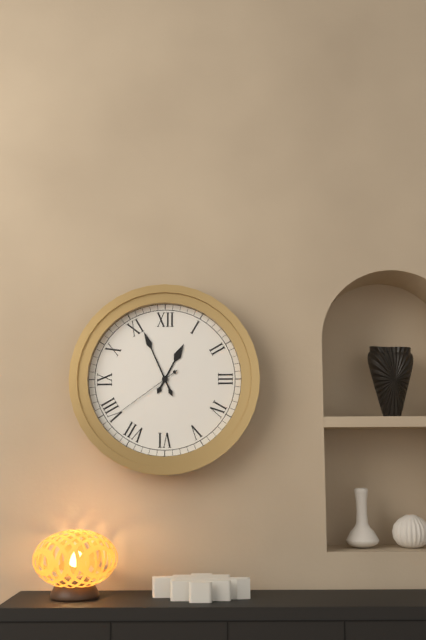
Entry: 12 h 56 min 39 s
